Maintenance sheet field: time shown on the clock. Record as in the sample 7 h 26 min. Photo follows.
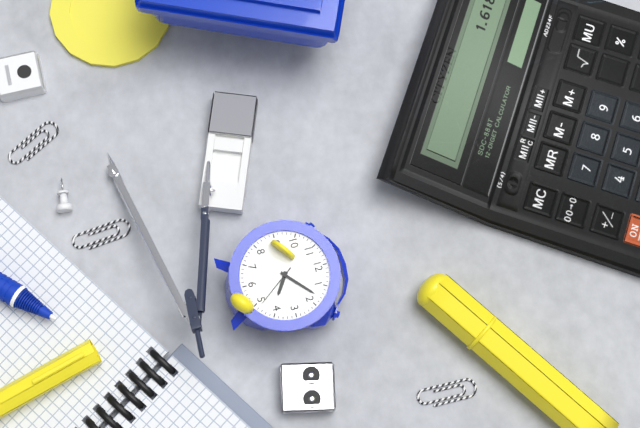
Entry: 4 h 08 min
